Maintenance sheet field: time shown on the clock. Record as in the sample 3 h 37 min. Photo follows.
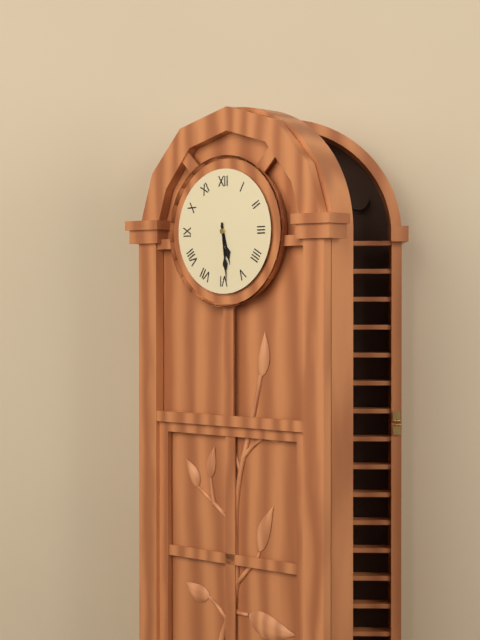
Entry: 5 h 29 min
